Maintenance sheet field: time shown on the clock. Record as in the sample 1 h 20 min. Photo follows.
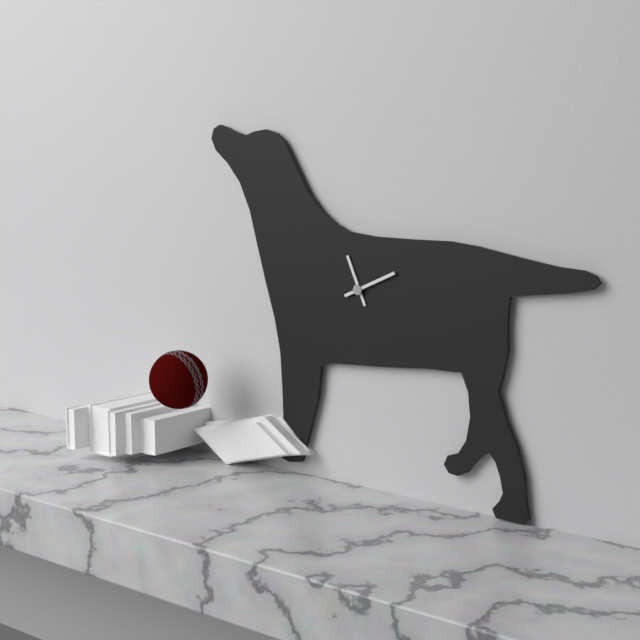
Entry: 11 h 11 min
